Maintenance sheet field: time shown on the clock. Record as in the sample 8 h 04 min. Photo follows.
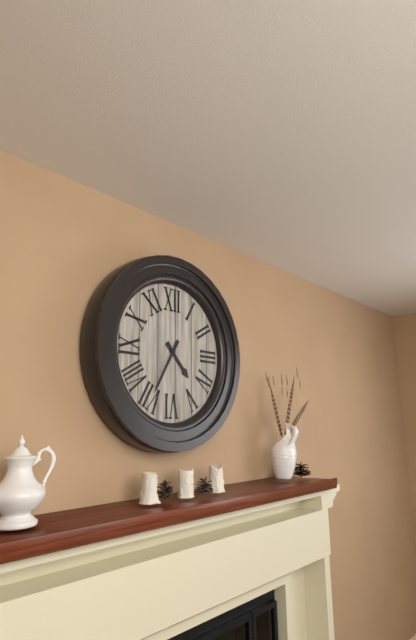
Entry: 4 h 35 min
